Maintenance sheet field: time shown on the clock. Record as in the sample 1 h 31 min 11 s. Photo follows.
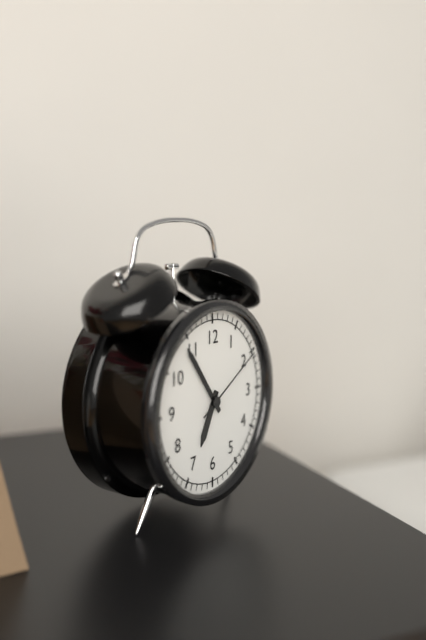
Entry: 6 h 54 min 10 s
